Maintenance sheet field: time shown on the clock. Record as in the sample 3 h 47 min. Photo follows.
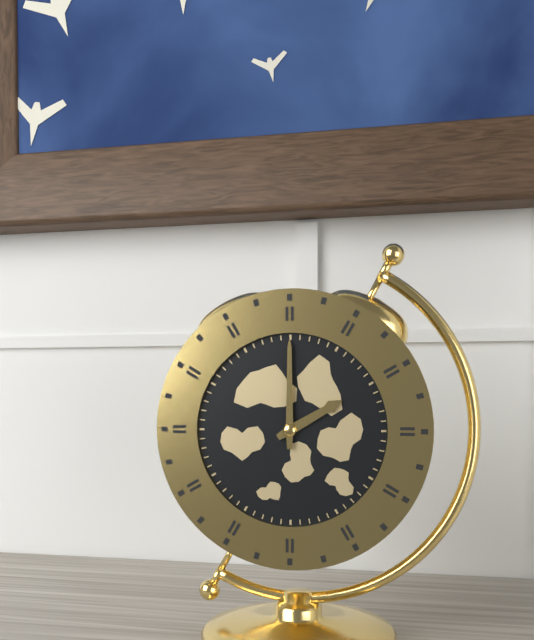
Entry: 2 h 00 min
